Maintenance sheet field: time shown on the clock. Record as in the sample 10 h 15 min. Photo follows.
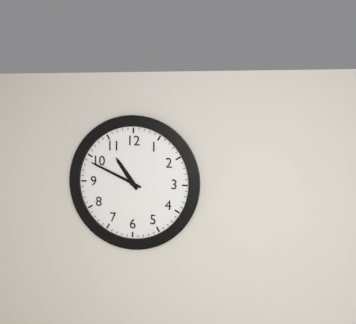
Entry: 10 h 49 min
